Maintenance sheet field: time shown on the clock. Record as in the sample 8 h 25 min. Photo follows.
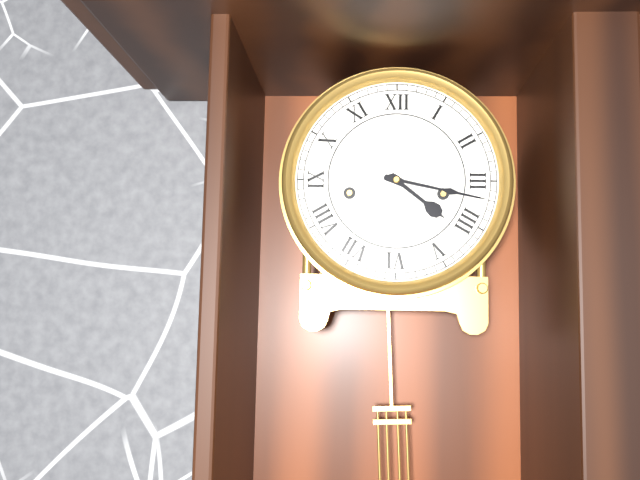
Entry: 4 h 17 min
